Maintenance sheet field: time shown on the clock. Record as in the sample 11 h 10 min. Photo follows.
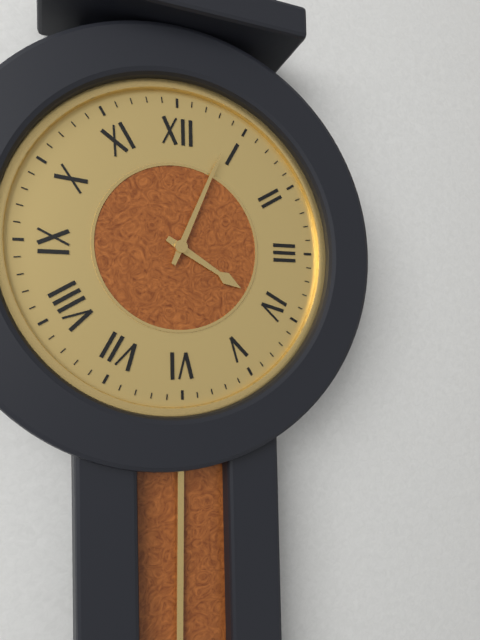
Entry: 4 h 04 min
